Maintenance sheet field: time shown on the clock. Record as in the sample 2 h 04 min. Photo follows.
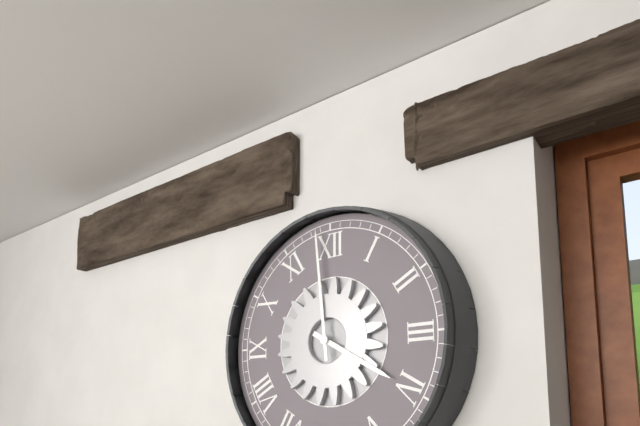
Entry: 3 h 59 min
